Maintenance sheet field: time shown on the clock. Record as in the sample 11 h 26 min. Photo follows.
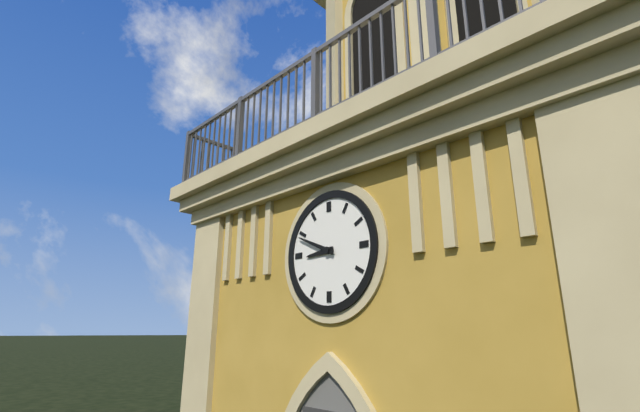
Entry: 8 h 49 min
